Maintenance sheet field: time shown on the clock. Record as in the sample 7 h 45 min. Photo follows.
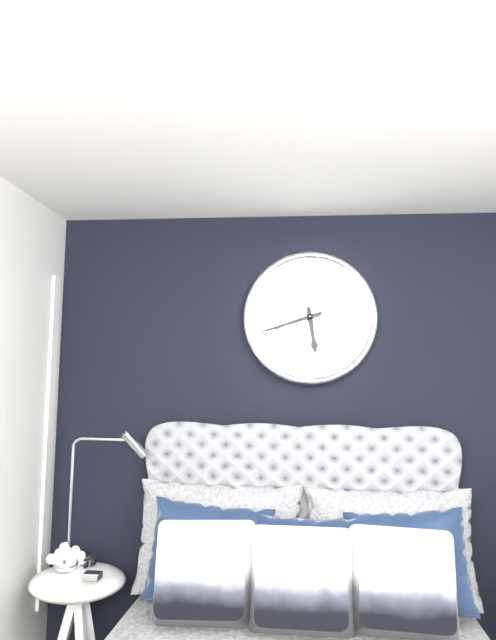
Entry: 5 h 42 min
